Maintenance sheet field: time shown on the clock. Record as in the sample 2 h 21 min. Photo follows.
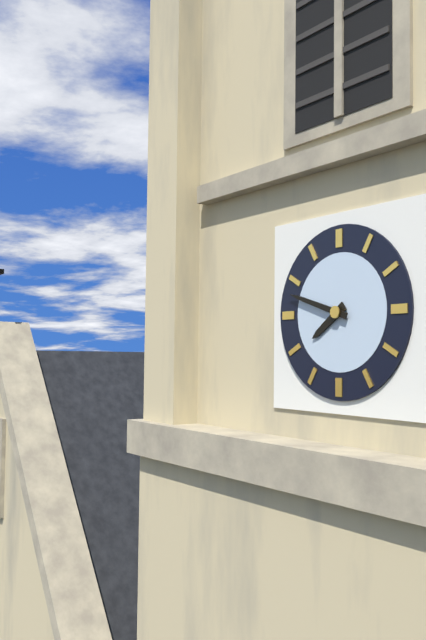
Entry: 7 h 48 min
